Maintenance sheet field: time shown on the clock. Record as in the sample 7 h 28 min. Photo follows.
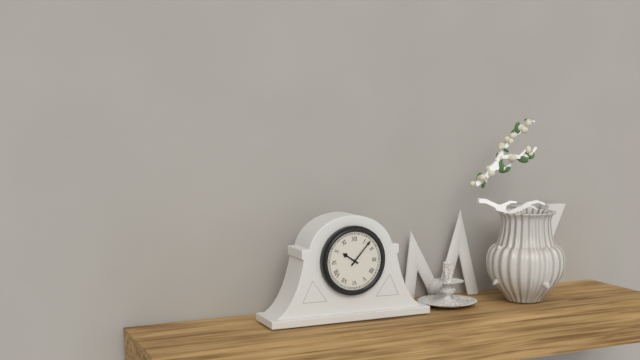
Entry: 10 h 07 min
